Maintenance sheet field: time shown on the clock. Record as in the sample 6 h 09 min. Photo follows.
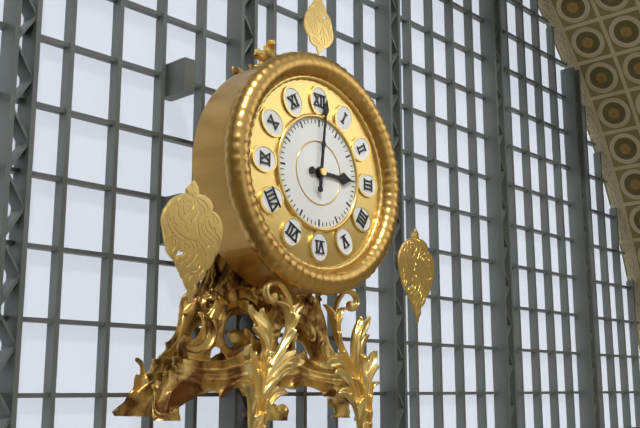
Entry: 3 h 01 min
